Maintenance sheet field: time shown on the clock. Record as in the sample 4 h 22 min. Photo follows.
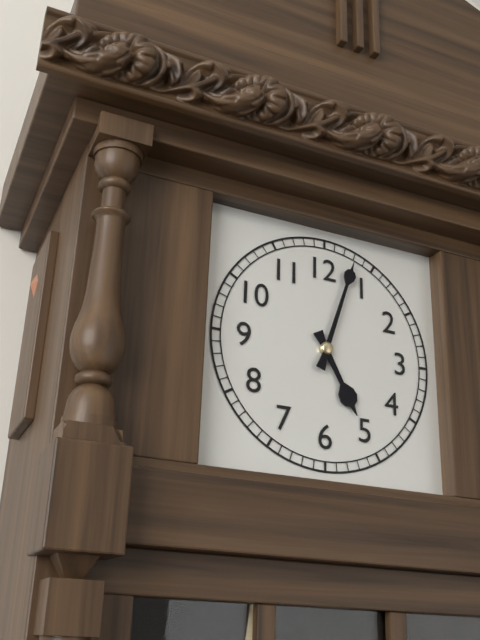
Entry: 5 h 03 min
